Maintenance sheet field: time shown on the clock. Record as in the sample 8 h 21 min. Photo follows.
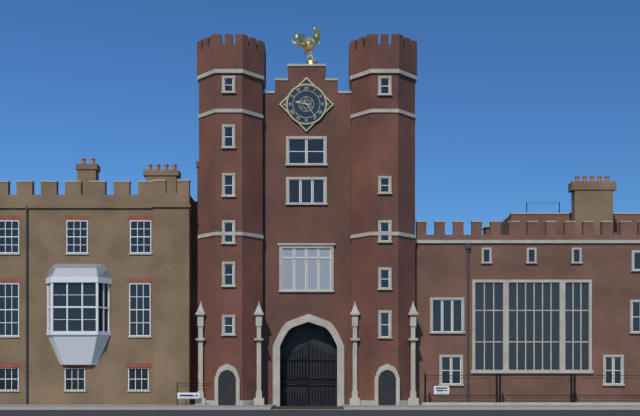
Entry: 9 h 24 min
